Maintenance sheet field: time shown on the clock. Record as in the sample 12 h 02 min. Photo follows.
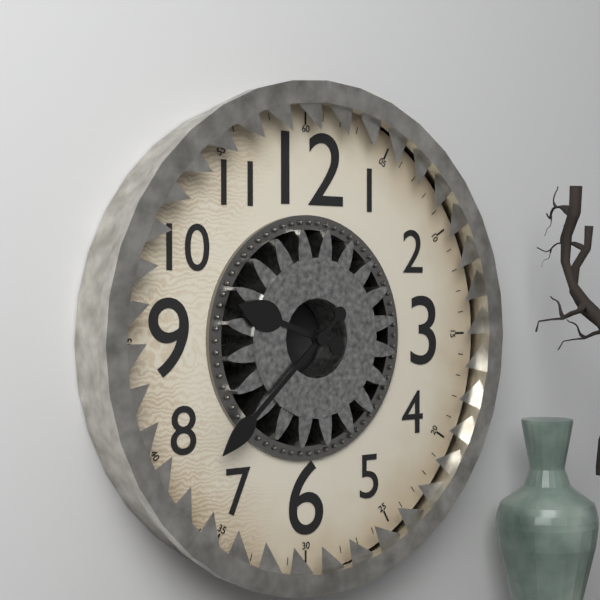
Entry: 9 h 38 min
